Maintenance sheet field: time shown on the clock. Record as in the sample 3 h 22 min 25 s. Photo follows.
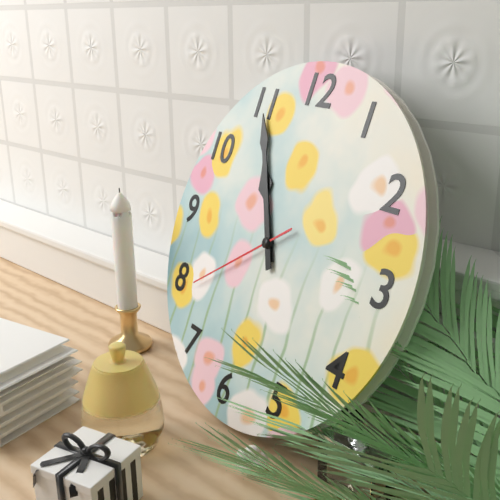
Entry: 10 h 55 min 39 s
